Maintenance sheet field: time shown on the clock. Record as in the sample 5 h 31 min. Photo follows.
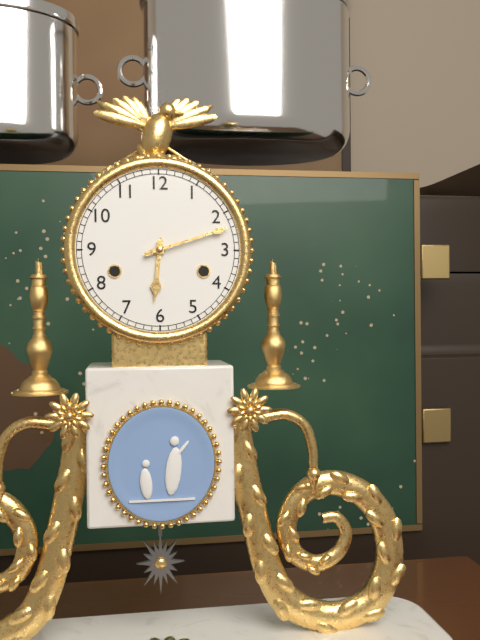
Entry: 6 h 12 min
